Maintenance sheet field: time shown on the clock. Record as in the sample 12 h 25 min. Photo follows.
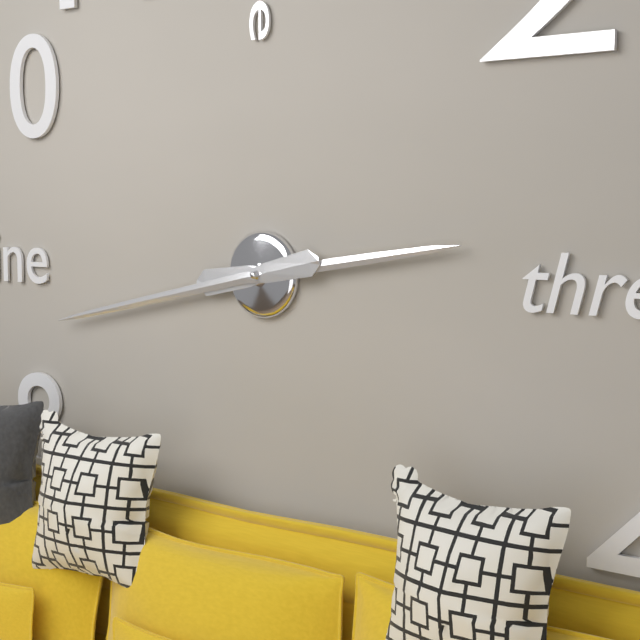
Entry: 2 h 43 min
